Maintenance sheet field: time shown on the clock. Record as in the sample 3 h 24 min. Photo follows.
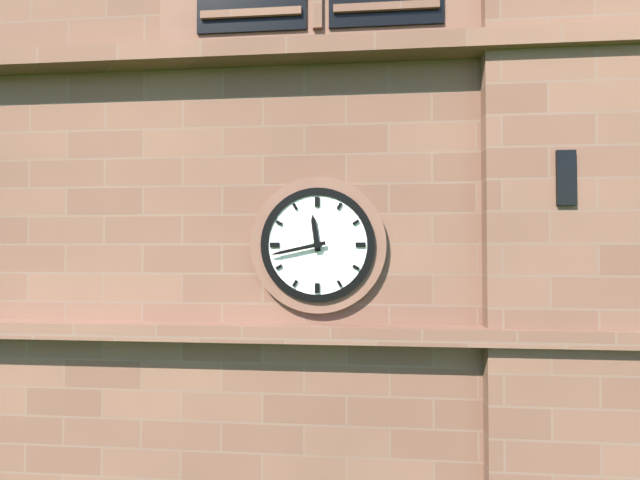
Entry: 11 h 43 min
